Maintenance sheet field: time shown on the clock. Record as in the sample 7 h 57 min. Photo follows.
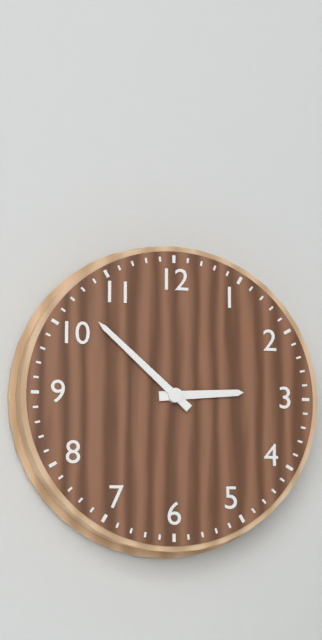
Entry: 2 h 52 min
